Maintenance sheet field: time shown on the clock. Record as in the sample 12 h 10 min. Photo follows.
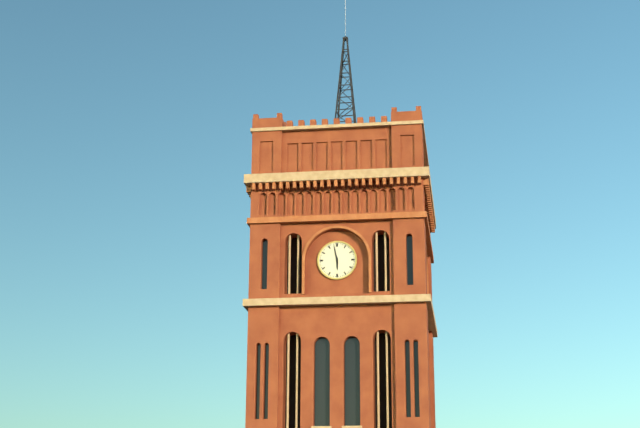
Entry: 5 h 58 min
